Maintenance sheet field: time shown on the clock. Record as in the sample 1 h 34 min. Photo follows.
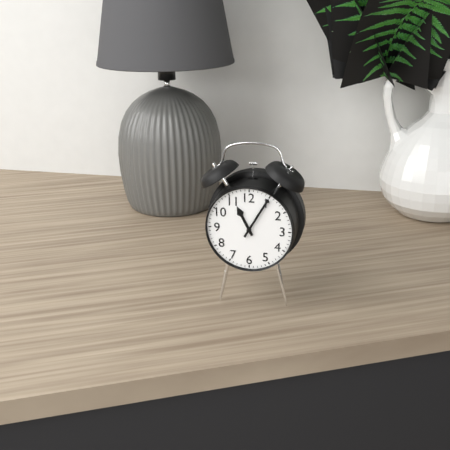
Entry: 11 h 05 min
